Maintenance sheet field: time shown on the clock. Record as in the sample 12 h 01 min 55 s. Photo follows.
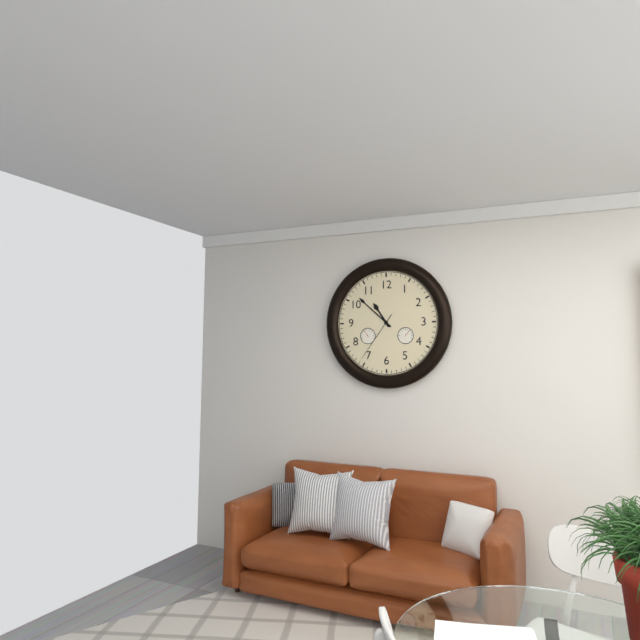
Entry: 10 h 52 min 36 s
